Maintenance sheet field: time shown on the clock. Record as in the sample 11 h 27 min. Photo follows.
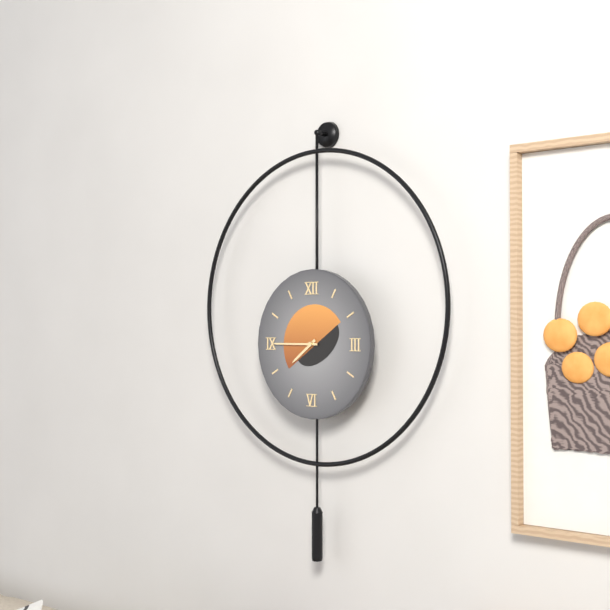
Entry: 7 h 45 min
